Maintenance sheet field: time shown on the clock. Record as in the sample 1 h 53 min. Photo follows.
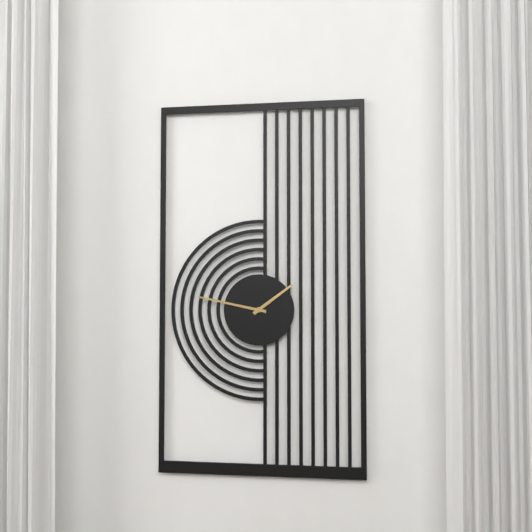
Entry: 1 h 47 min
